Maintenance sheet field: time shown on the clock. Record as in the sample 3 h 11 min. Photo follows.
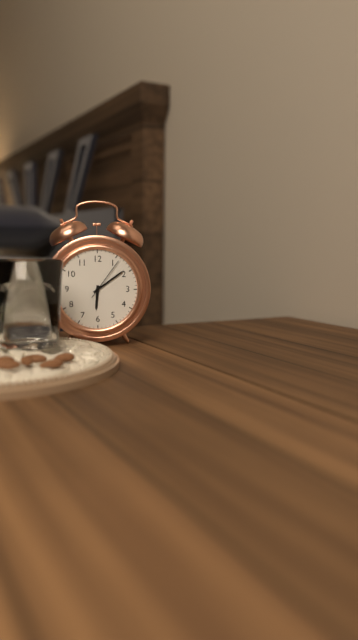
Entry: 6 h 09 min
